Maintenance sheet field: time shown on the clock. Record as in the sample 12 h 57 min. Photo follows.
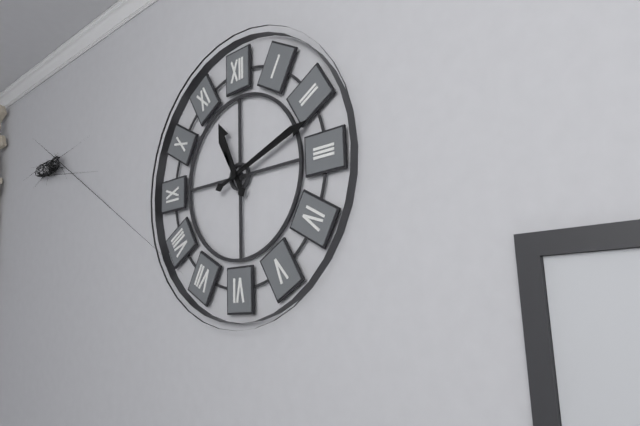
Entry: 11 h 12 min
